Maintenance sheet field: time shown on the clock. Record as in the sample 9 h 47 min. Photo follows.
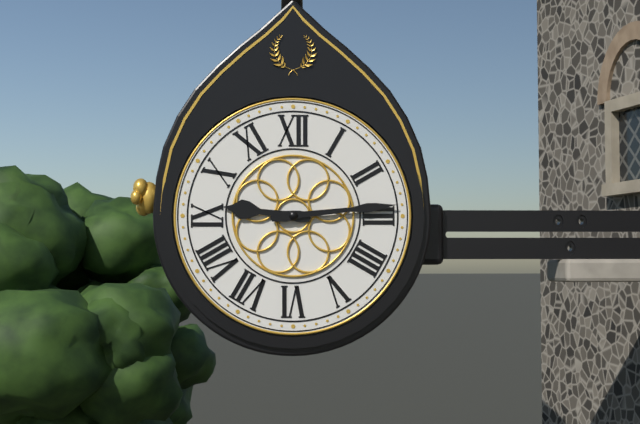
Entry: 9 h 14 min
